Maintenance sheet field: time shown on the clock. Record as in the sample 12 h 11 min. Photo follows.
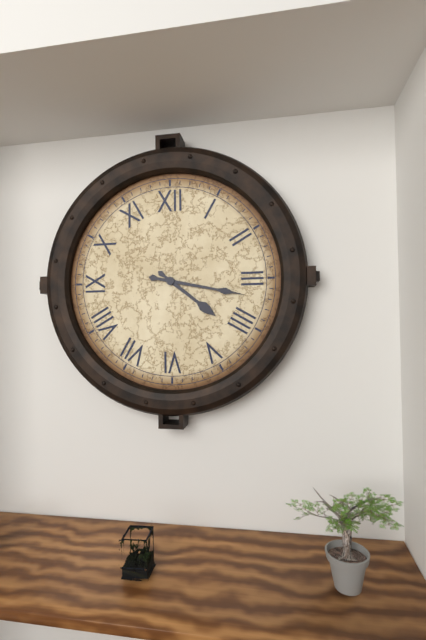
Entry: 4 h 17 min
